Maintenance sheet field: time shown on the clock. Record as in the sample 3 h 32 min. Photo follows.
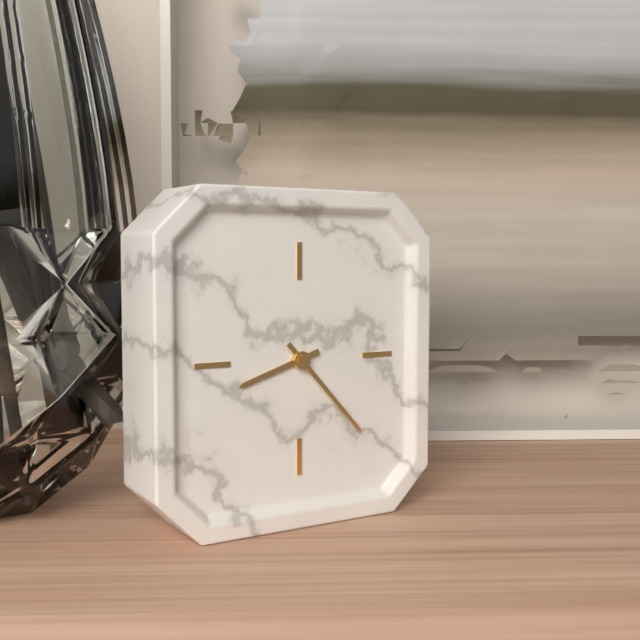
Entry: 8 h 23 min
